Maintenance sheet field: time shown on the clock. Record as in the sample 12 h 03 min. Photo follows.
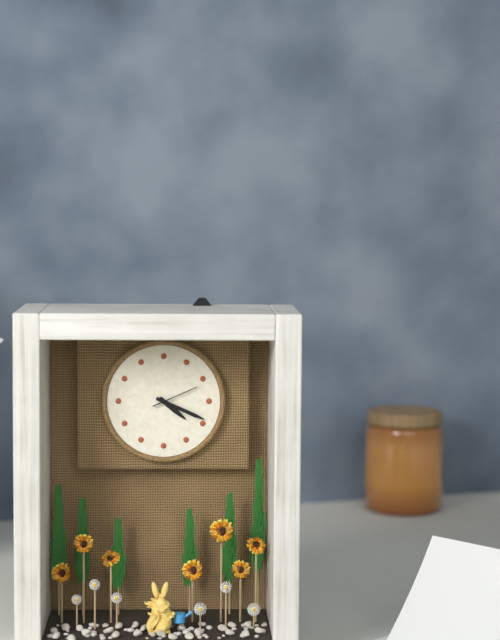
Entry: 4 h 19 min
